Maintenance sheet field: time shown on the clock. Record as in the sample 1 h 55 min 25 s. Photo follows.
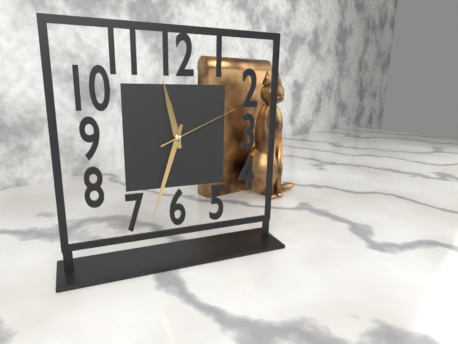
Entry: 11 h 33 min 11 s
